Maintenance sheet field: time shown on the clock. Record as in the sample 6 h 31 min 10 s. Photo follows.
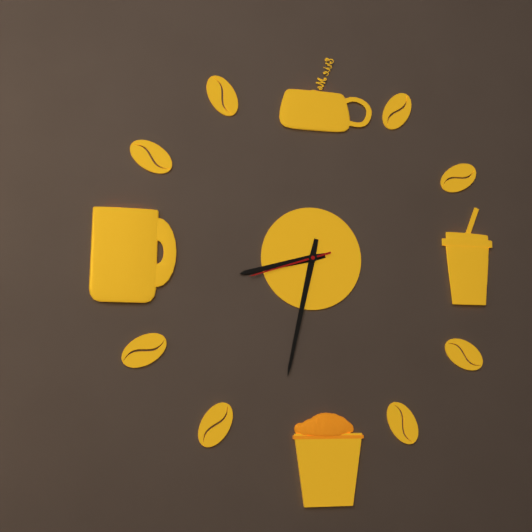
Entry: 8 h 32 min 42 s
